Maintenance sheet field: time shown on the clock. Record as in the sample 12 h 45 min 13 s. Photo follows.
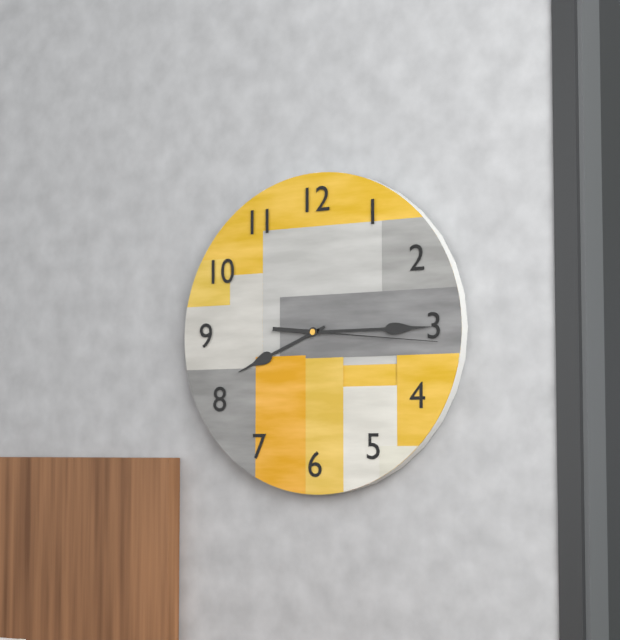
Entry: 8 h 15 min 16 s
